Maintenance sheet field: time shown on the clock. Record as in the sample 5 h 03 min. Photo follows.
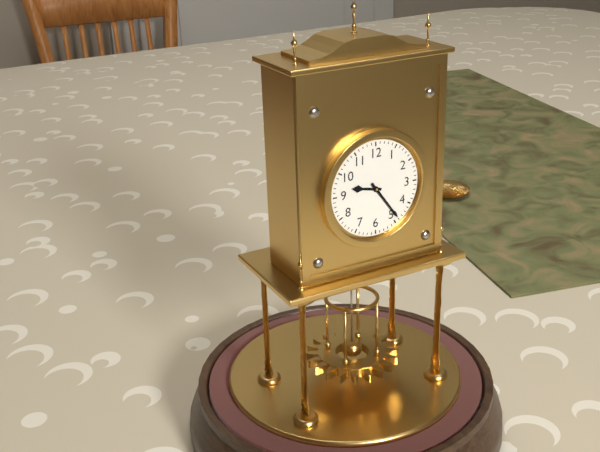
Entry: 9 h 24 min
